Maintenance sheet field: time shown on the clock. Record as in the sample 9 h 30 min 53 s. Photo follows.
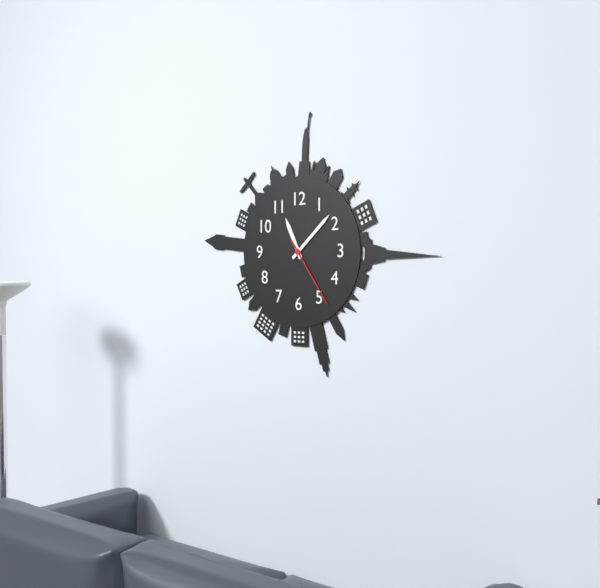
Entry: 11 h 08 min 24 s
